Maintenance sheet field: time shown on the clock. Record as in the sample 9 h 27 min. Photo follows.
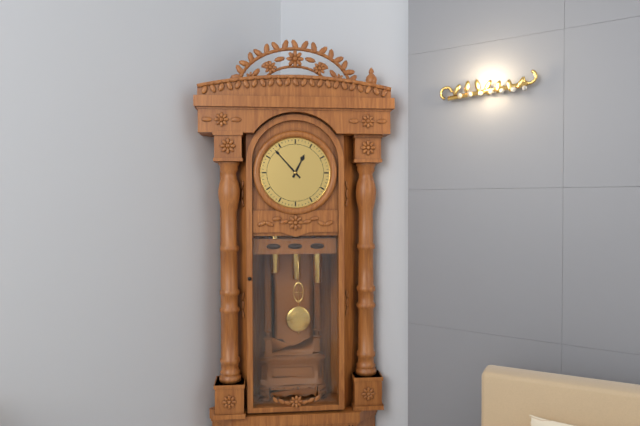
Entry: 12 h 53 min
